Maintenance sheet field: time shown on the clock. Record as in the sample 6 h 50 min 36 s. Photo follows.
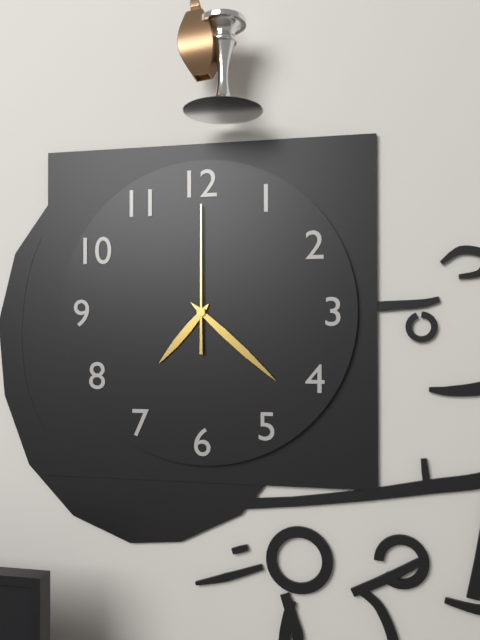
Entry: 7 h 22 min 00 s
